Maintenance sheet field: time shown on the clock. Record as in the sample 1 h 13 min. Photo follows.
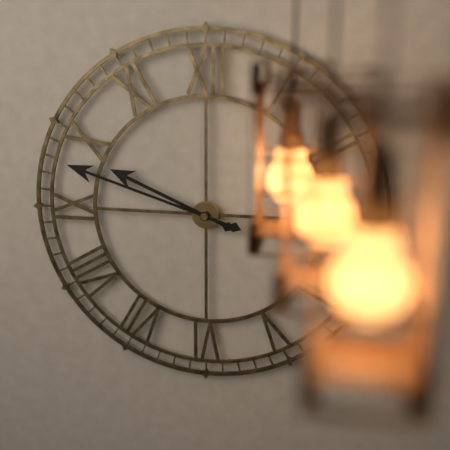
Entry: 9 h 48 min
